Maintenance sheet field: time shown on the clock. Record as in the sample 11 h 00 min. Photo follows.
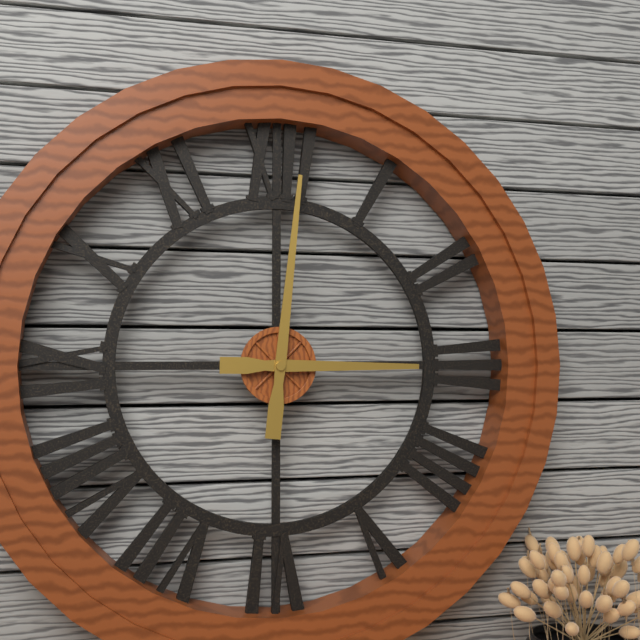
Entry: 3 h 01 min
